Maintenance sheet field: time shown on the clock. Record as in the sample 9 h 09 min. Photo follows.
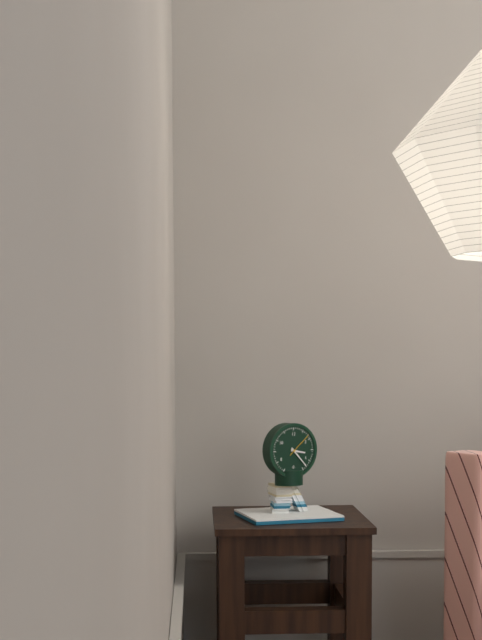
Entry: 3 h 23 min
